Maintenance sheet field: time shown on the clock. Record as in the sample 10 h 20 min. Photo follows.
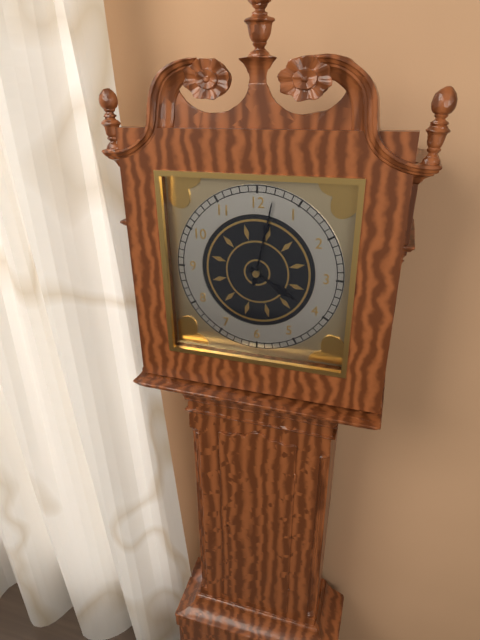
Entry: 4 h 02 min
